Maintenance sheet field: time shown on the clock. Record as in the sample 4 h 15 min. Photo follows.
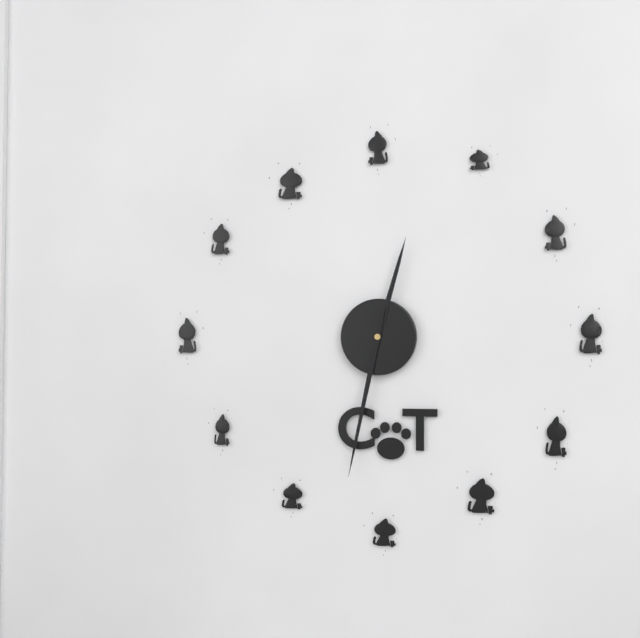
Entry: 12 h 32 min
